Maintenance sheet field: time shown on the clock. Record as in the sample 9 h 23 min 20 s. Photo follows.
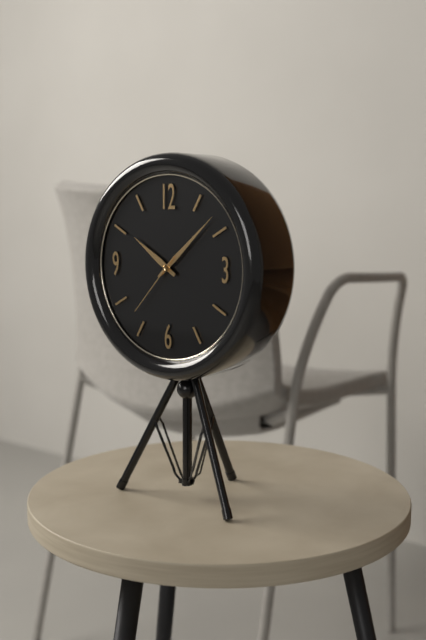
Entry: 10 h 08 min 37 s
